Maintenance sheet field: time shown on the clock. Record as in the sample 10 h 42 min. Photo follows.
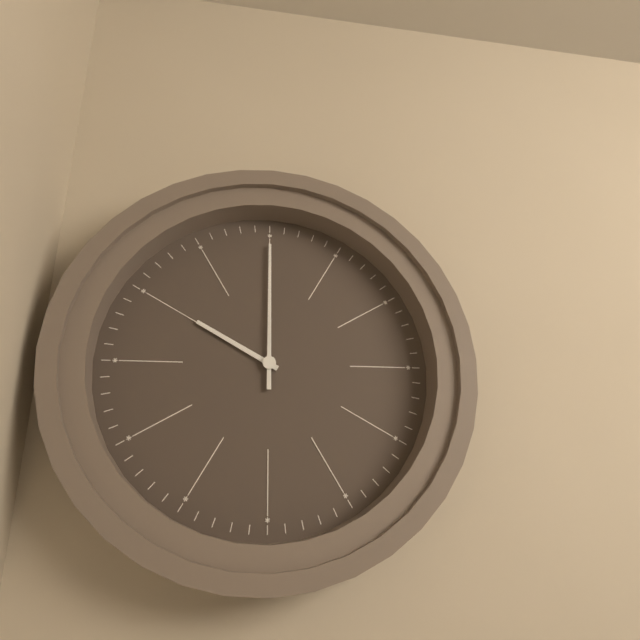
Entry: 10 h 00 min
